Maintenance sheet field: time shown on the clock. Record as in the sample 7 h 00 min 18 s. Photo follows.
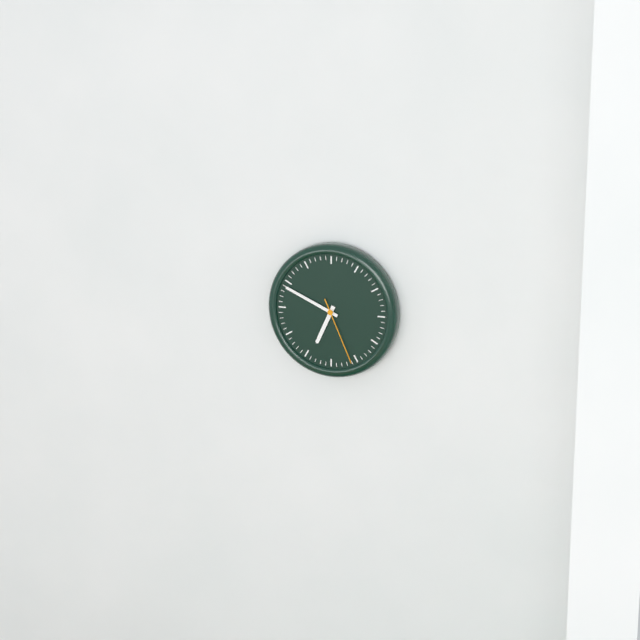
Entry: 6 h 49 min 26 s
